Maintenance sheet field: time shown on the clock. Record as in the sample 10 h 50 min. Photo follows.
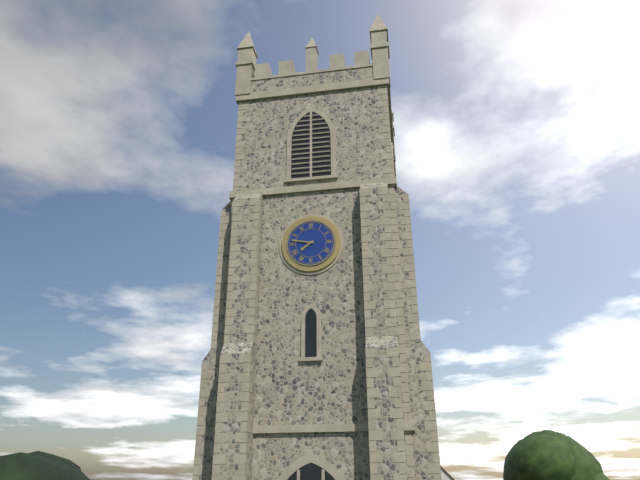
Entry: 7 h 47 min
